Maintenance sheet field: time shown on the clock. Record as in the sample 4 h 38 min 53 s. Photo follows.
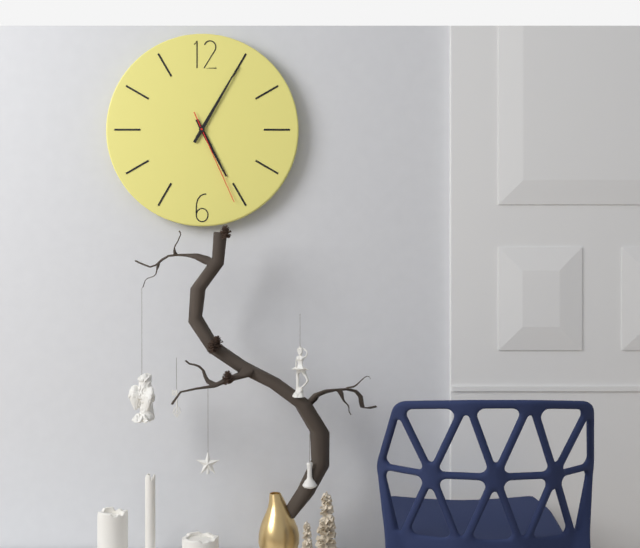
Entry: 5 h 05 min 26 s
